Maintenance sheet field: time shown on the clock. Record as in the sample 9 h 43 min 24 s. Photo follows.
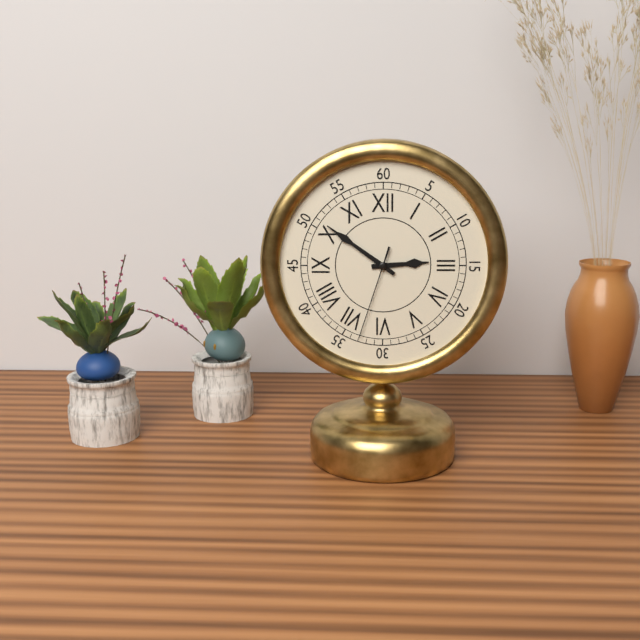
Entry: 2 h 51 min 33 s
